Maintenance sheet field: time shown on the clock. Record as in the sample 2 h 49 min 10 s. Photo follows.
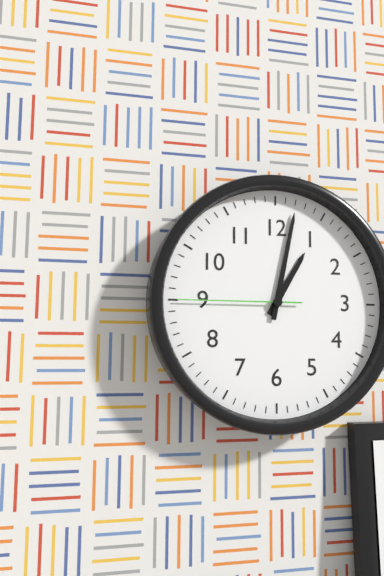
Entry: 1 h 02 min 45 s
